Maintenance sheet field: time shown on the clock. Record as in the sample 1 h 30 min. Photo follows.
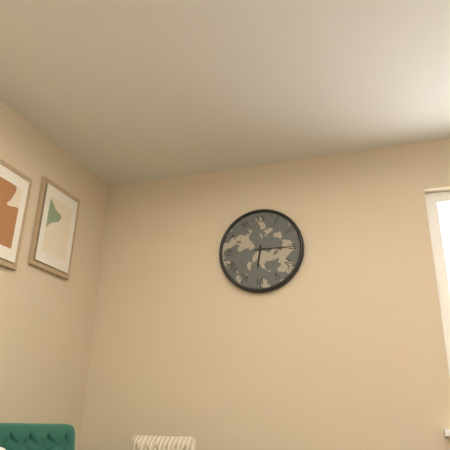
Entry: 6 h 15 min
